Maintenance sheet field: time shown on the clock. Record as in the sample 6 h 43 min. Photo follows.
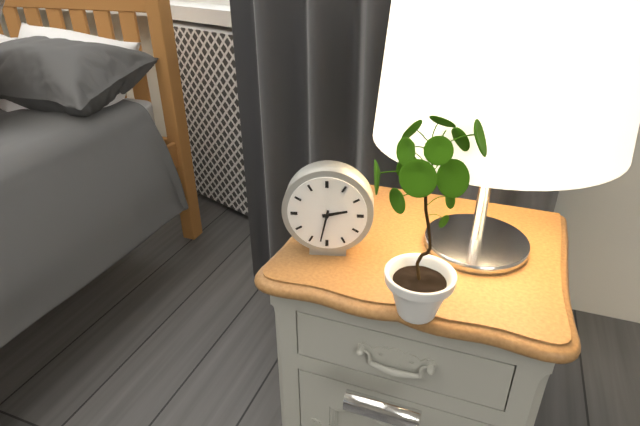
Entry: 2 h 32 min
